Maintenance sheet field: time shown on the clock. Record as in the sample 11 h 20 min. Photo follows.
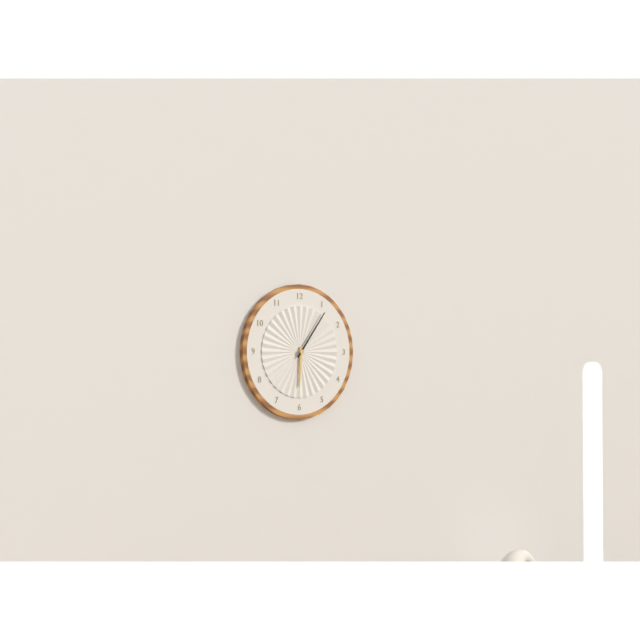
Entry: 6 h 06 min
